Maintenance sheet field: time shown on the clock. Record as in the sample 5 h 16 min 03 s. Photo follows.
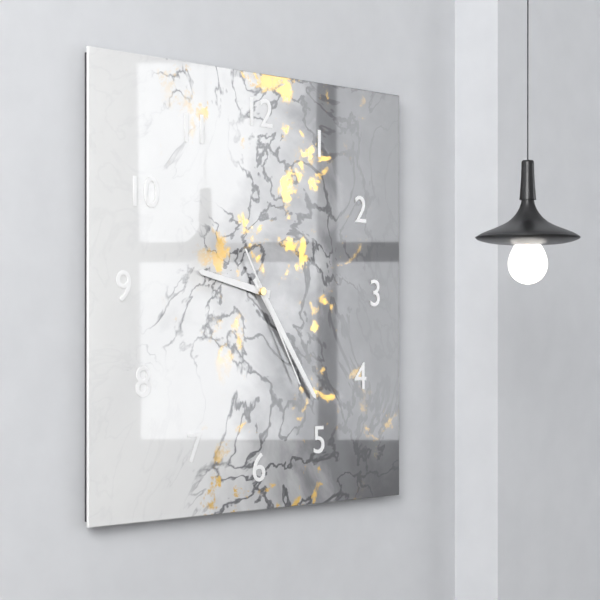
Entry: 9 h 24 min 25 s
